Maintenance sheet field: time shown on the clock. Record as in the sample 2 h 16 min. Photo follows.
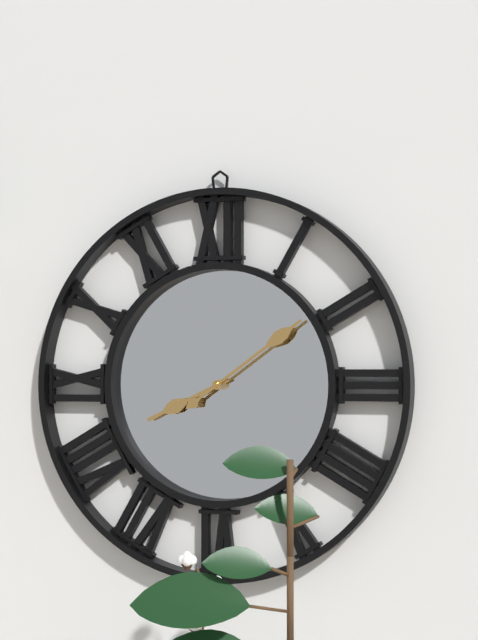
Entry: 8 h 09 min
